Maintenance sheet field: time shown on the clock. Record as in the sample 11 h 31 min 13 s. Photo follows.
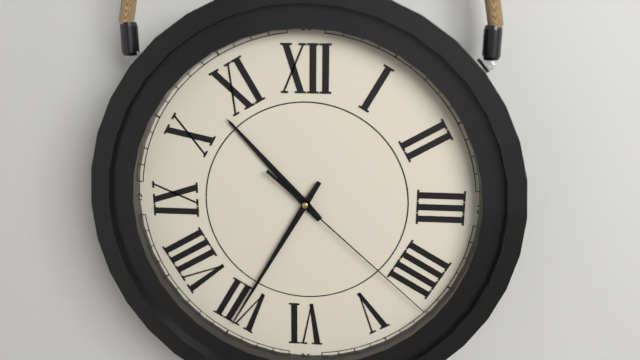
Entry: 10 h 35 min 22 s
